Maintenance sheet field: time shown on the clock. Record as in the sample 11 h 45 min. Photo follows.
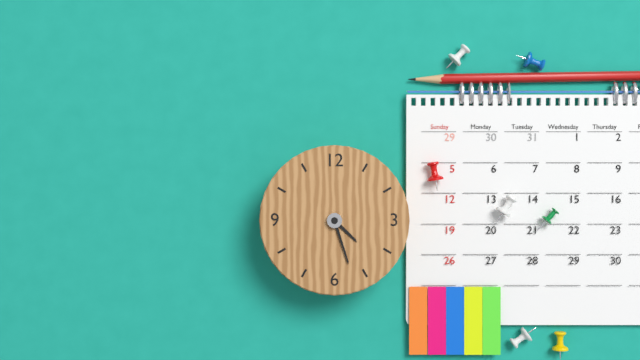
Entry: 4 h 27 min
